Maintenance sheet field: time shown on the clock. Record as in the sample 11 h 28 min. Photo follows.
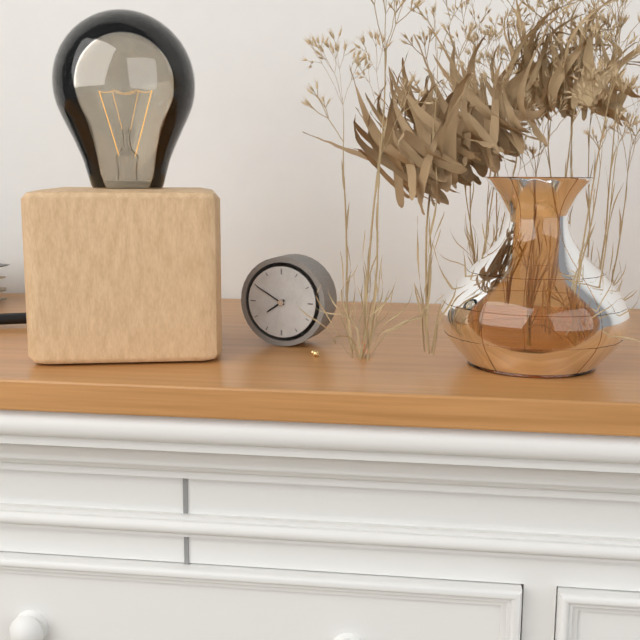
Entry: 7 h 50 min
